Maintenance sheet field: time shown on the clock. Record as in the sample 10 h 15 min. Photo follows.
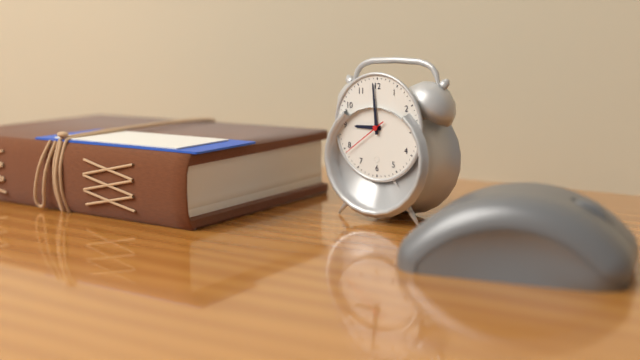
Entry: 8 h 59 min
